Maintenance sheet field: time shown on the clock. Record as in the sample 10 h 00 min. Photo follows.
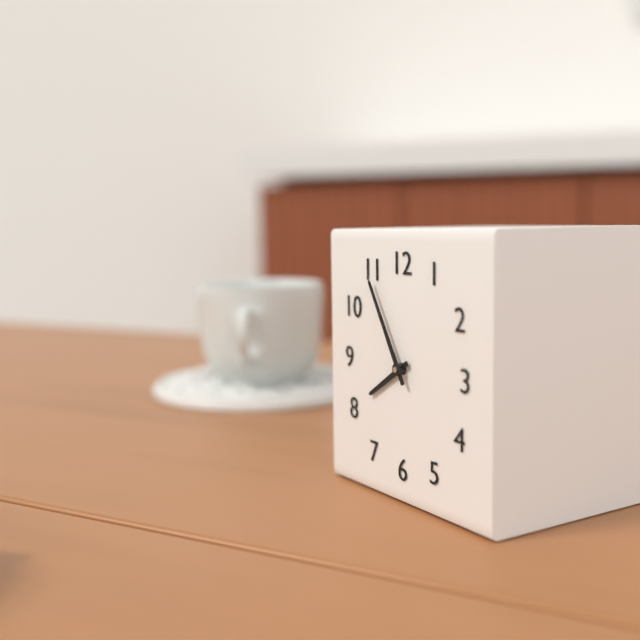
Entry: 7 h 55 min
